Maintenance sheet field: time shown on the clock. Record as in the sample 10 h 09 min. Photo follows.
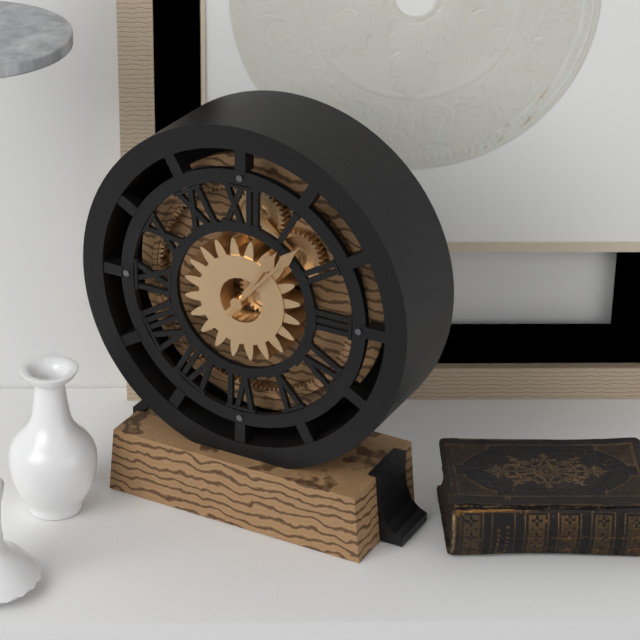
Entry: 1 h 07 min
